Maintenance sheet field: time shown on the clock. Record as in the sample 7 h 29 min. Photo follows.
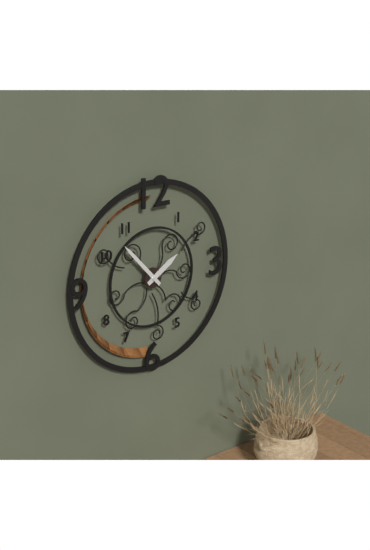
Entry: 1 h 53 min
